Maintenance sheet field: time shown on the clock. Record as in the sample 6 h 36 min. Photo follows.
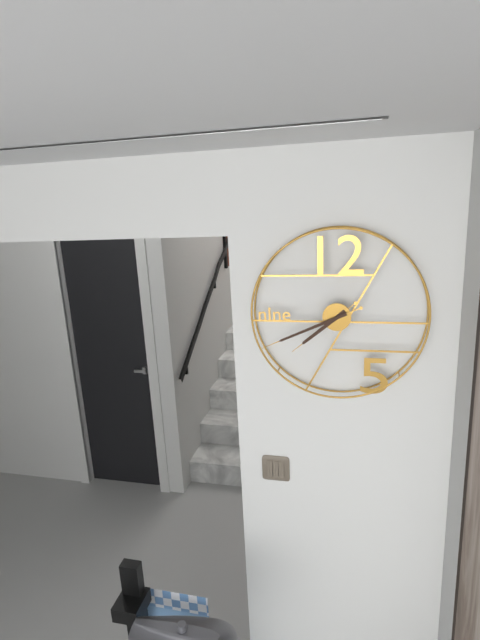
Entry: 7 h 41 min
